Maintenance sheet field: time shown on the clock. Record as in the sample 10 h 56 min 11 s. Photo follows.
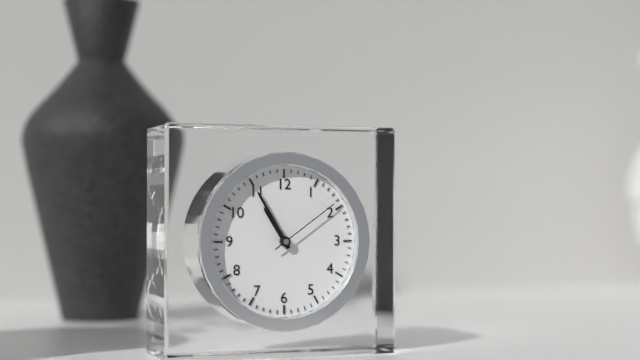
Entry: 10 h 55 min 09 s
